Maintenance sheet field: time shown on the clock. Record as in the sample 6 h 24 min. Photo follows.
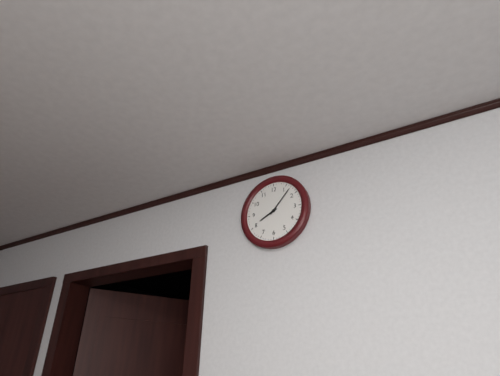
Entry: 8 h 07 min
